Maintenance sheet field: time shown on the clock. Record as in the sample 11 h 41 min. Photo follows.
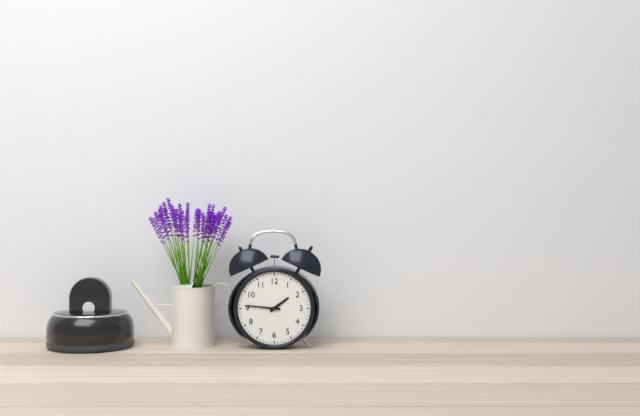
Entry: 1 h 46 min
